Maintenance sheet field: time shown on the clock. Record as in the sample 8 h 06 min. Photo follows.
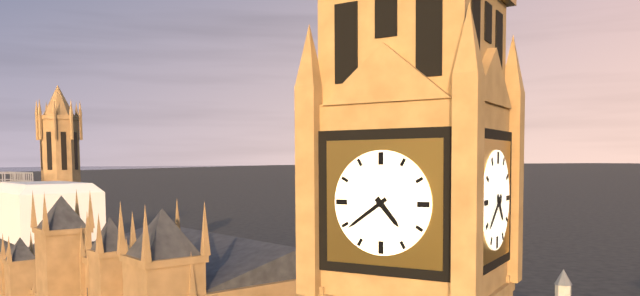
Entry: 4 h 39 min
